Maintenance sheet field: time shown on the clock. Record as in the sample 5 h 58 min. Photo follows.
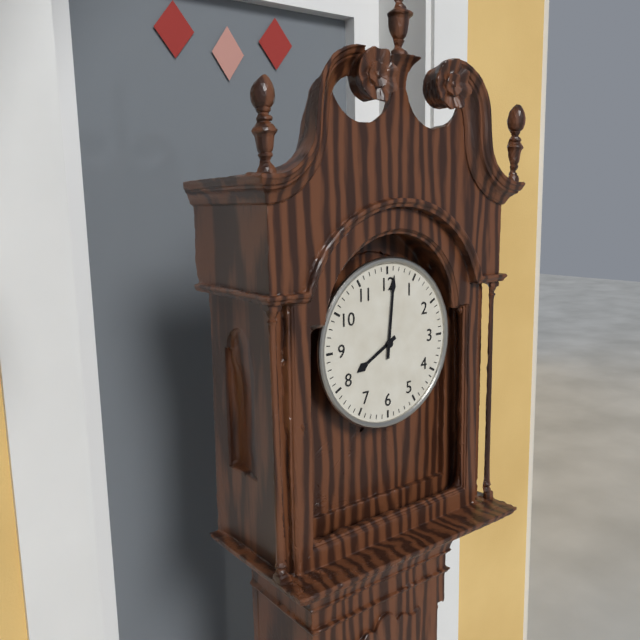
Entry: 8 h 01 min
